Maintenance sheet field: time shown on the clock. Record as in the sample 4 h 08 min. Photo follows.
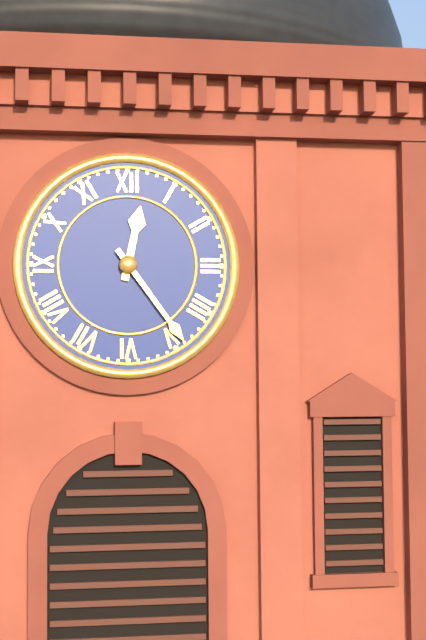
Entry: 12 h 24 min
